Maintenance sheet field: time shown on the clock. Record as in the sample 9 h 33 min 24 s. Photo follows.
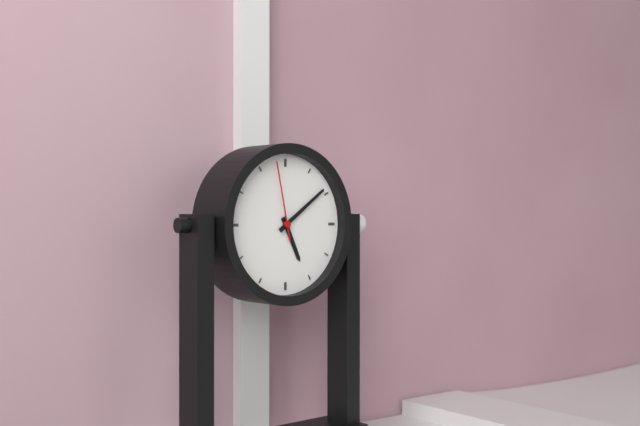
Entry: 5 h 09 min 58 s
